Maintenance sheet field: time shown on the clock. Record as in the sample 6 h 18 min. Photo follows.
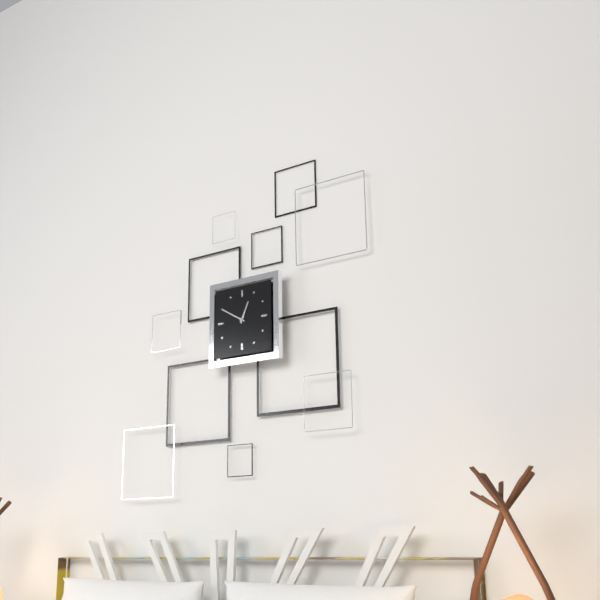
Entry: 12 h 50 min
